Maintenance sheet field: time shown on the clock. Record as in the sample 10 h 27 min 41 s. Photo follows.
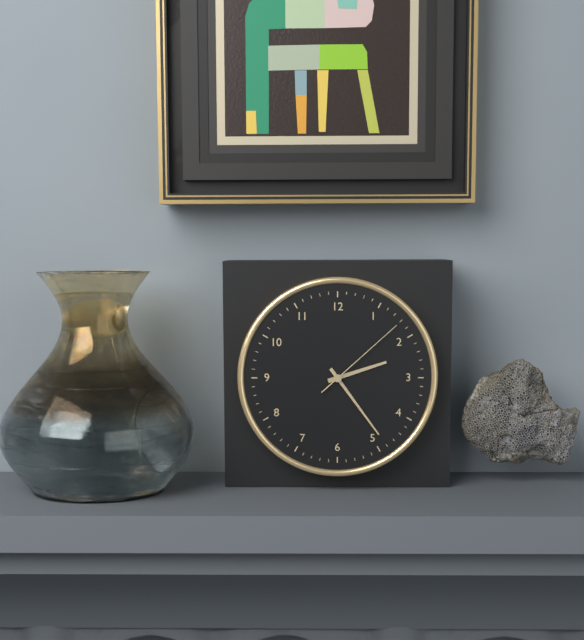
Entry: 2 h 24 min 08 s
